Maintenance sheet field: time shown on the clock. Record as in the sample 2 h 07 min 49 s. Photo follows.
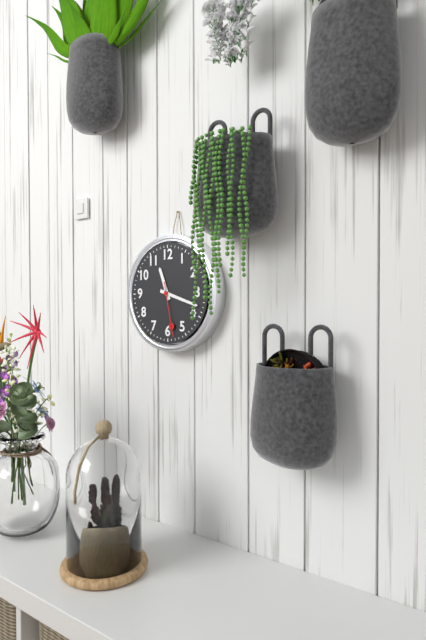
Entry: 11 h 18 min 28 s
